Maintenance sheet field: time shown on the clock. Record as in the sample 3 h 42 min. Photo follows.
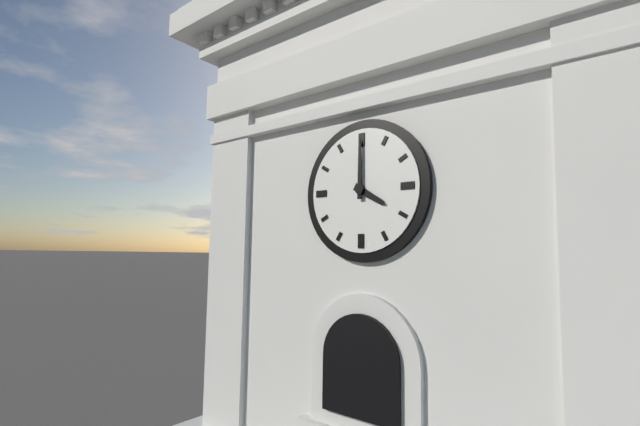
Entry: 4 h 00 min
